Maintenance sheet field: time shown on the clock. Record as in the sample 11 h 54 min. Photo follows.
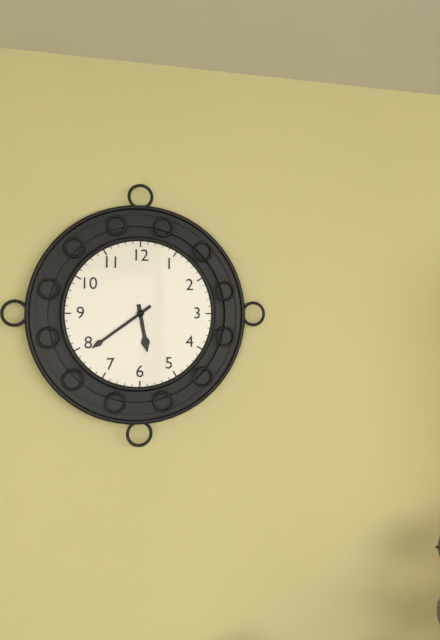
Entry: 5 h 39 min
